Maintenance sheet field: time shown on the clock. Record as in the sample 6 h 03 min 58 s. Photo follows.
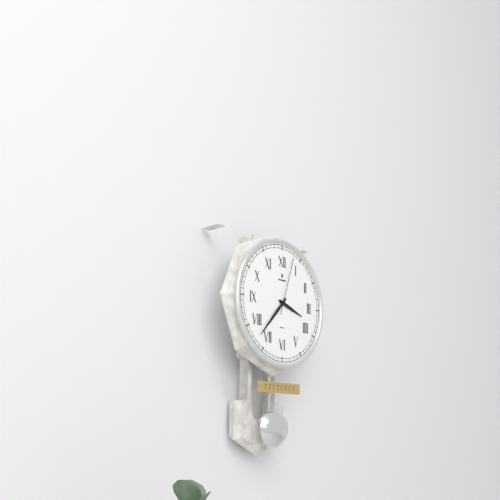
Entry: 3 h 37 min 03 s
